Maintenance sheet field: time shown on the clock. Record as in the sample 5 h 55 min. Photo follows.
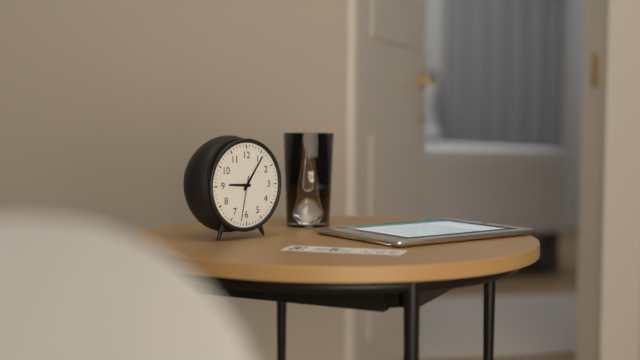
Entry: 9 h 06 min
